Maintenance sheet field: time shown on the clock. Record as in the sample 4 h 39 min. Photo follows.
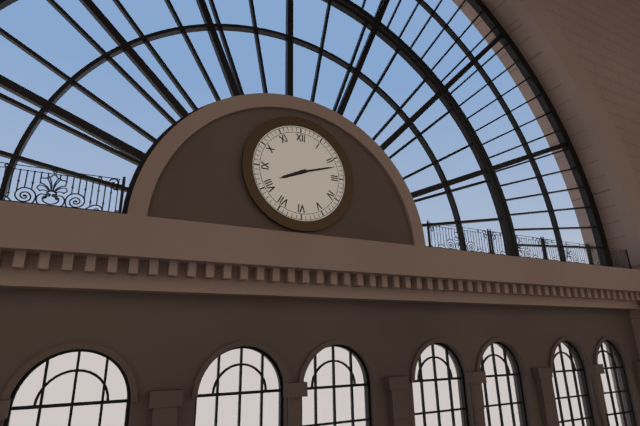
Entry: 8 h 12 min
